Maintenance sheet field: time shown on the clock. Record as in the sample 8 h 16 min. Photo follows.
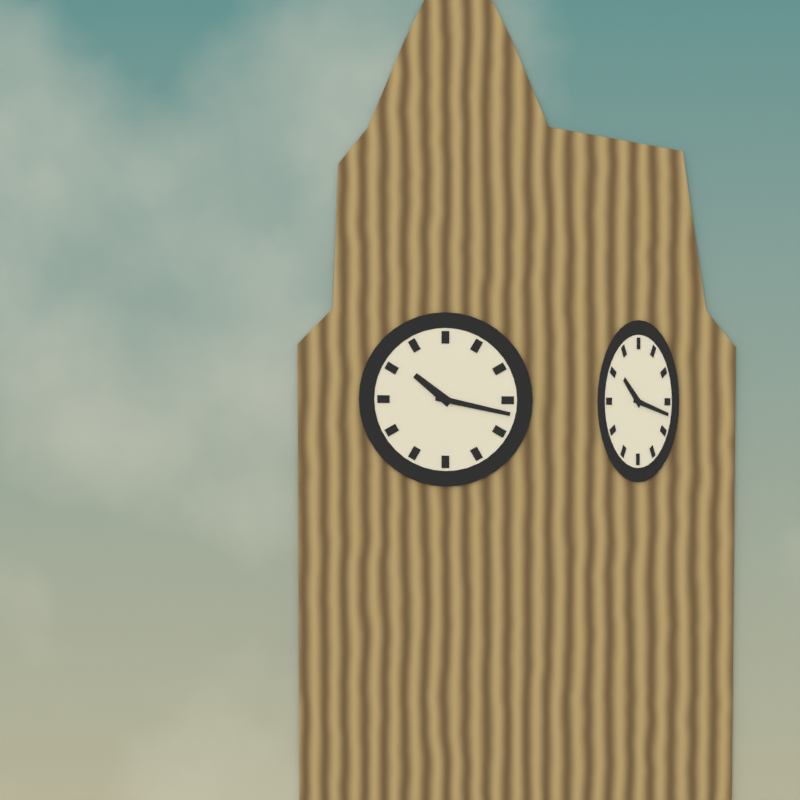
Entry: 10 h 17 min
